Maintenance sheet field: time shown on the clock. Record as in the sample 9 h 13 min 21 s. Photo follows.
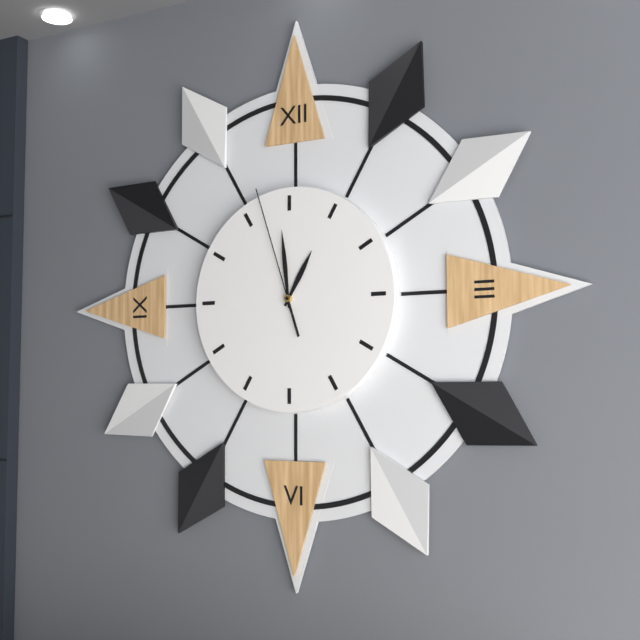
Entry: 12 h 59 min 57 s
